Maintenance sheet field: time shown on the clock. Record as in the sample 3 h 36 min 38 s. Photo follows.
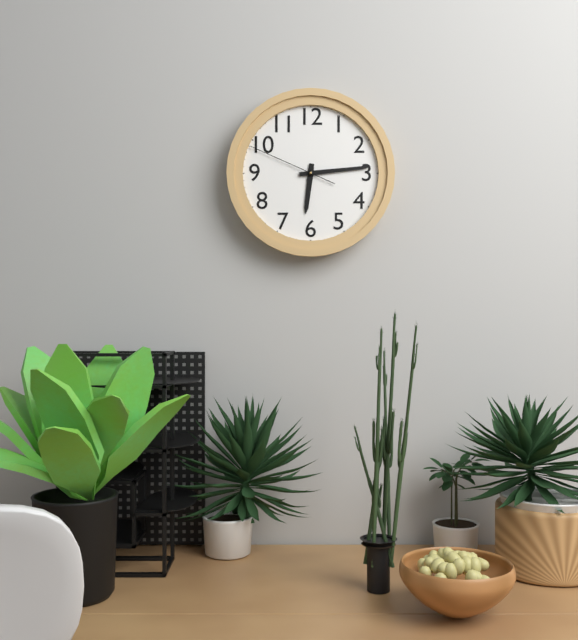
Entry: 6 h 14 min 49 s
